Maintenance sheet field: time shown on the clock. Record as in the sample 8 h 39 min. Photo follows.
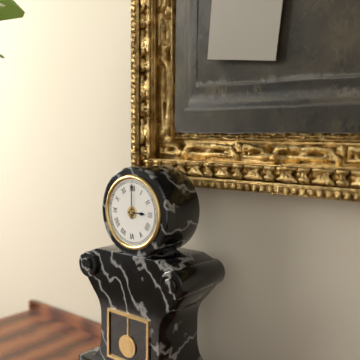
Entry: 3 h 00 min
